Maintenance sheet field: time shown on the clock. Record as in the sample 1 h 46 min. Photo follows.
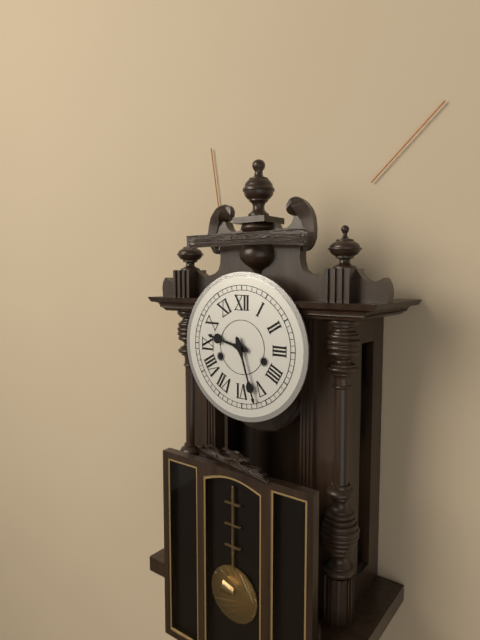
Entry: 9 h 27 min
